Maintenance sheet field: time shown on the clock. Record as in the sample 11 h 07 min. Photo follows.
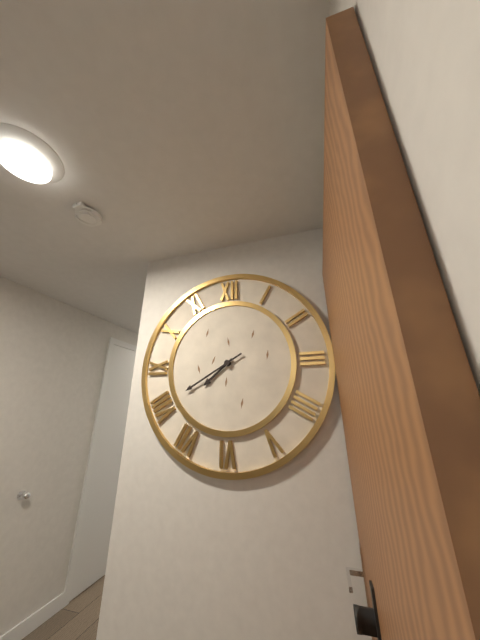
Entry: 7 h 40 min
